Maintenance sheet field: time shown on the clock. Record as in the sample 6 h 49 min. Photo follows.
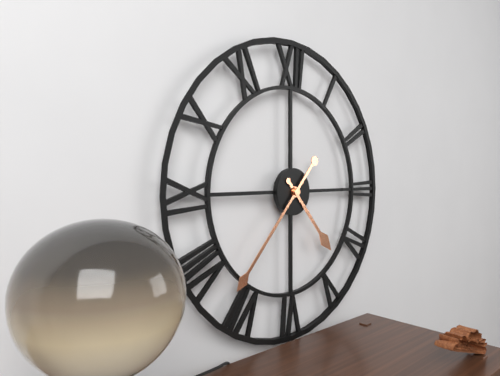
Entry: 4 h 37 min
